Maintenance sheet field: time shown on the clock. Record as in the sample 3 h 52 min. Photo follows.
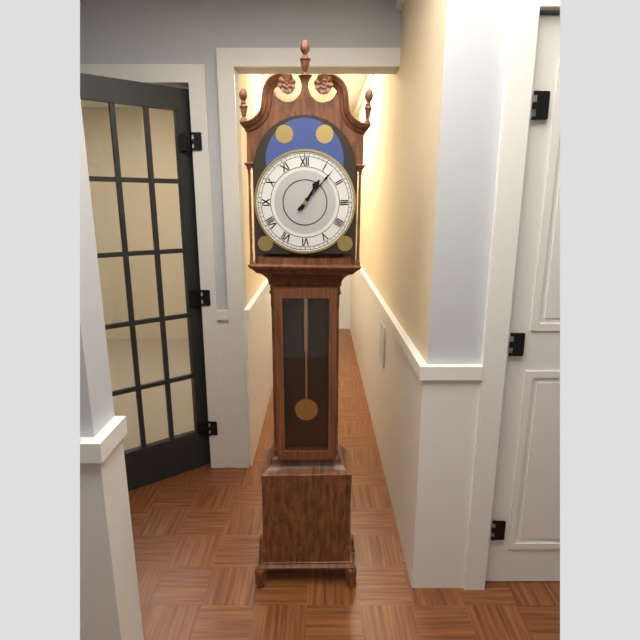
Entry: 1 h 07 min
